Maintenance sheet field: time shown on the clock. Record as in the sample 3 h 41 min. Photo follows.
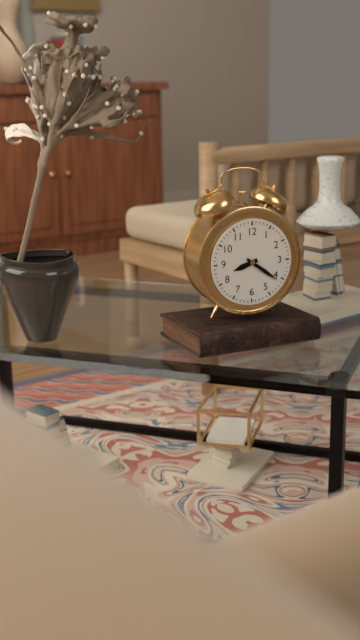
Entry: 8 h 21 min
